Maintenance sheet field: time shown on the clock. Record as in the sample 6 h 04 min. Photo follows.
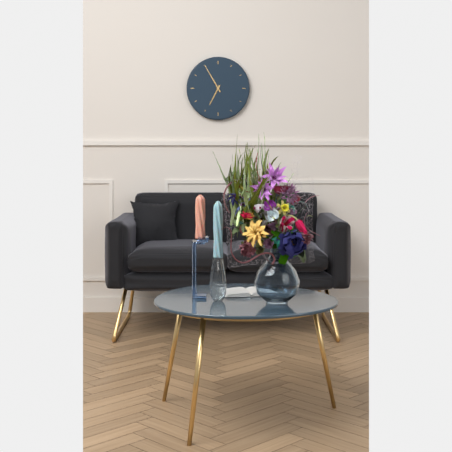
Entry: 6 h 55 min
